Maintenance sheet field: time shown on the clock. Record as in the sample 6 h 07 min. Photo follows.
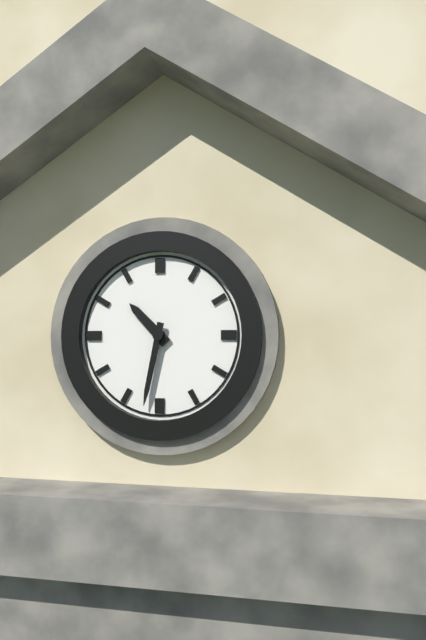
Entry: 10 h 32 min
